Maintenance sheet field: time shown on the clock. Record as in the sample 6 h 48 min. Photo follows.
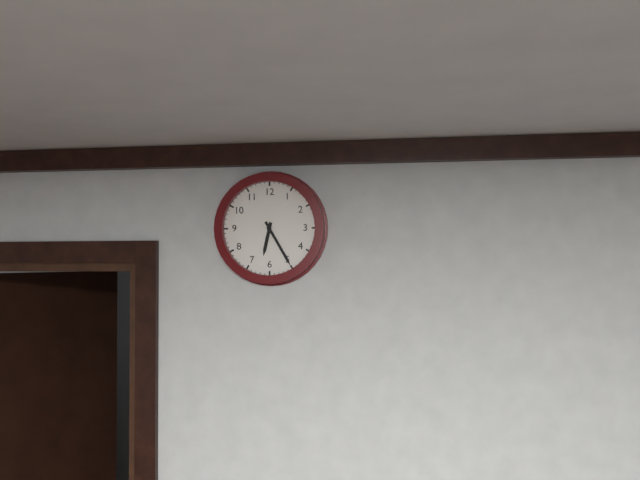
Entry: 6 h 25 min
